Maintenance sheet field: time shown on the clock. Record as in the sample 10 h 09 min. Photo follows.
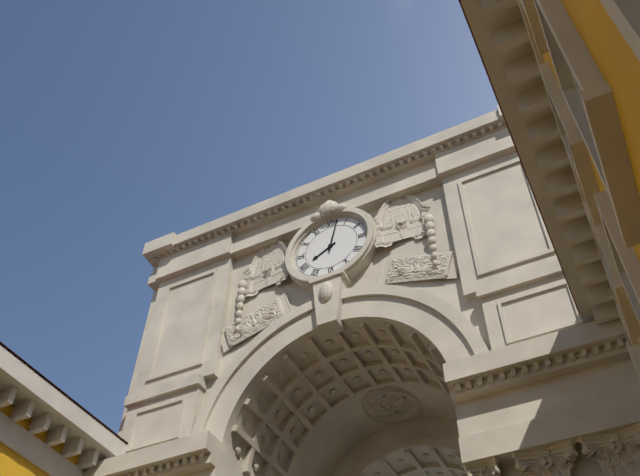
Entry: 8 h 02 min
